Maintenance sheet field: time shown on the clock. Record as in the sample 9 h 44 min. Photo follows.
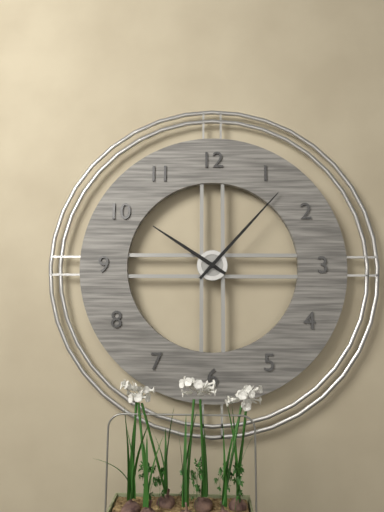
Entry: 10 h 07 min
